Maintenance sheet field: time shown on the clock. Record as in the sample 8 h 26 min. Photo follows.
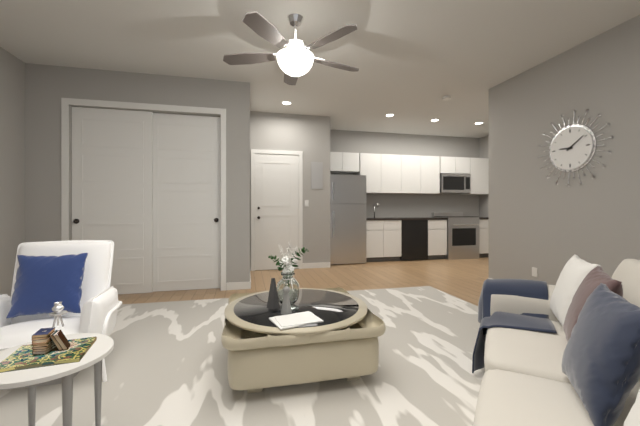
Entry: 9 h 09 min
